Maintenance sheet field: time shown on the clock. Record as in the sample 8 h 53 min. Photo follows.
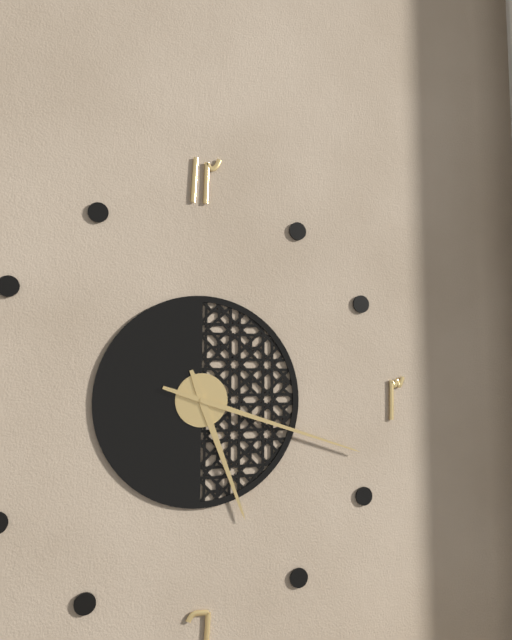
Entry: 5 h 18 min
